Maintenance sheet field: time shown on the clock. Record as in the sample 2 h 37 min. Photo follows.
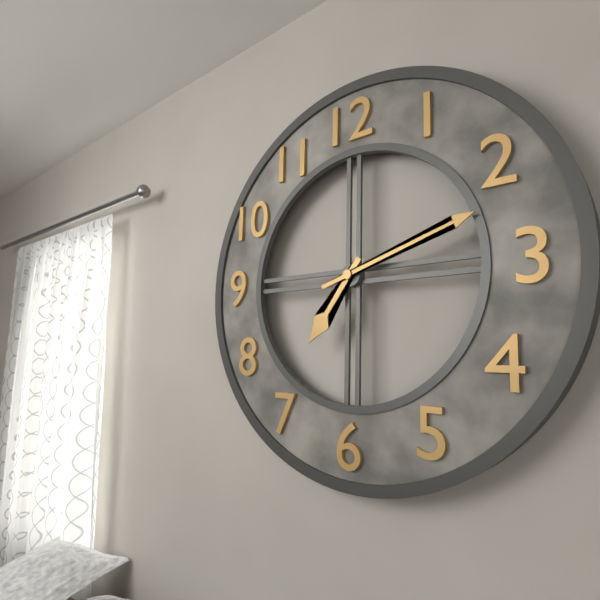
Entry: 7 h 12 min
